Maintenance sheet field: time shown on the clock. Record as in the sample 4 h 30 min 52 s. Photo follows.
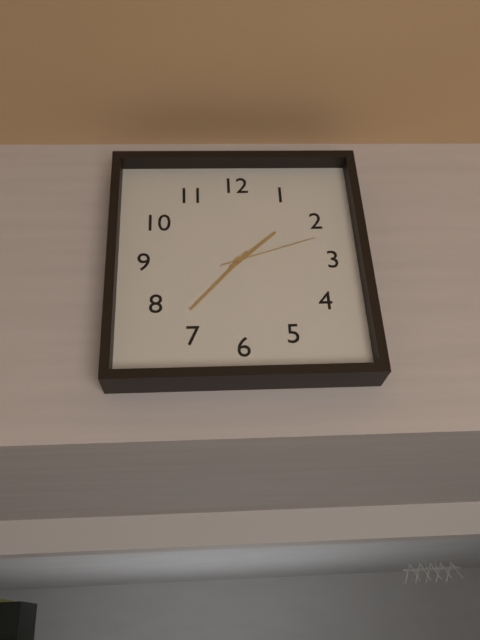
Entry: 1 h 37 min 12 s
